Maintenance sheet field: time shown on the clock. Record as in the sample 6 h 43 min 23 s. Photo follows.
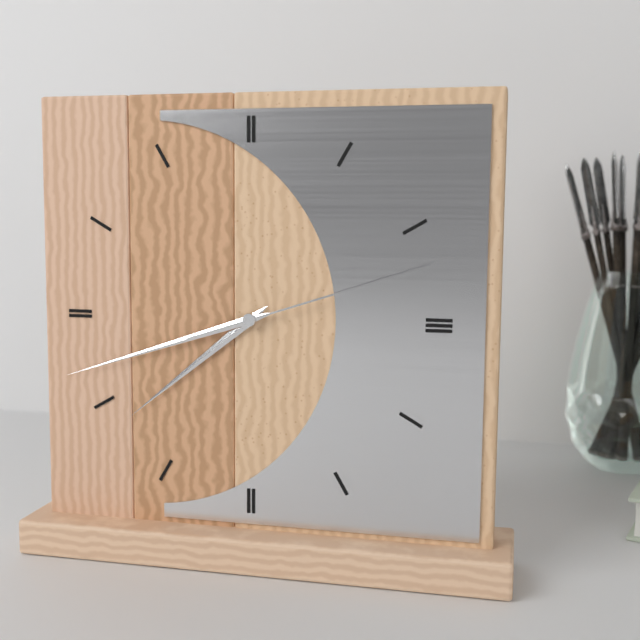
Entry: 7 h 42 min 12 s
